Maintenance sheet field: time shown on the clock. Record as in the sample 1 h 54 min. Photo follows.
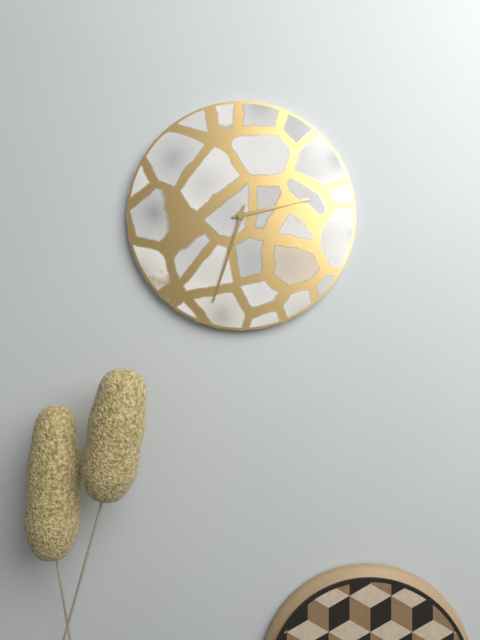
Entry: 2 h 33 min
